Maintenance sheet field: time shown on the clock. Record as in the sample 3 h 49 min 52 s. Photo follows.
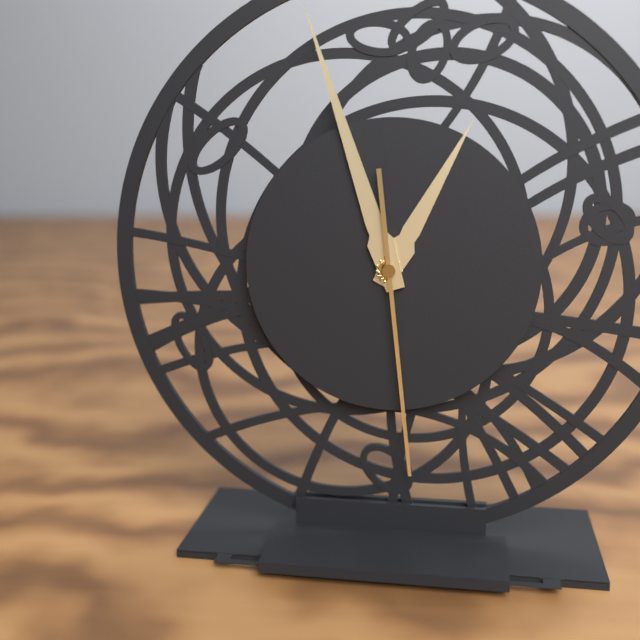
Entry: 12 h 57 min 29 s
